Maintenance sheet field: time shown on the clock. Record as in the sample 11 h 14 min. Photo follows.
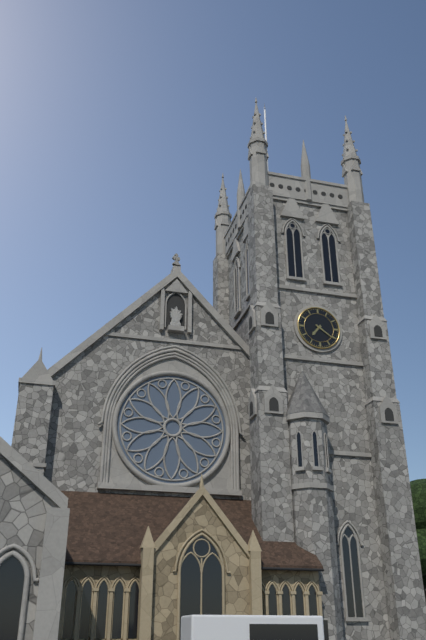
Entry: 7 h 21 min
